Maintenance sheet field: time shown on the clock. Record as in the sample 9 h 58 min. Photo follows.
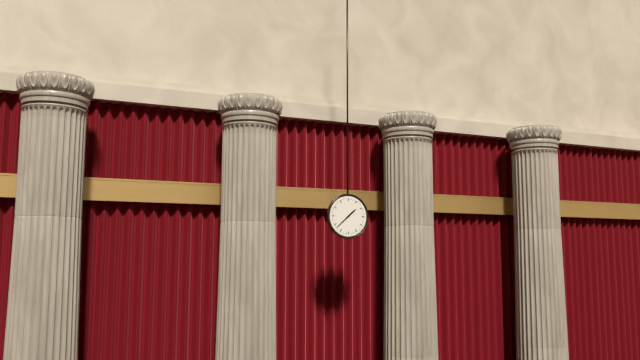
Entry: 1 h 38 min
